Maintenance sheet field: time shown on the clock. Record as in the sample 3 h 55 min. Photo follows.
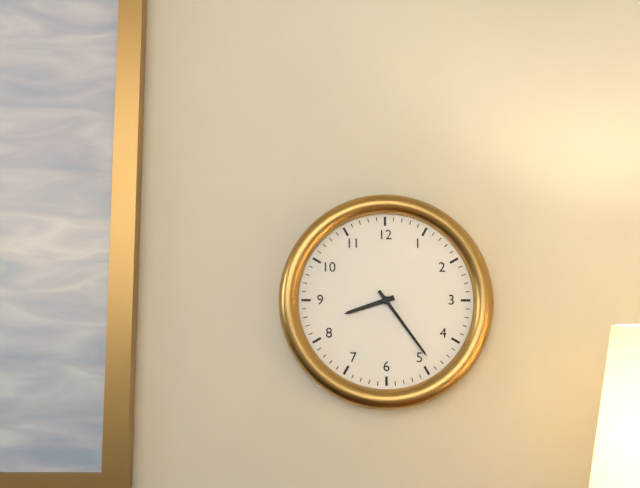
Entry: 8 h 24 min
